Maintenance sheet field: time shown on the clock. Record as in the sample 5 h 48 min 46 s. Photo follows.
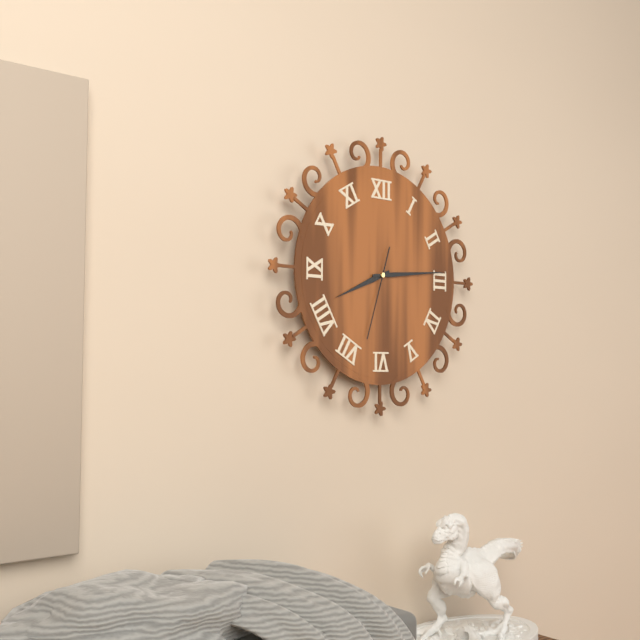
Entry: 8 h 14 min 33 s
